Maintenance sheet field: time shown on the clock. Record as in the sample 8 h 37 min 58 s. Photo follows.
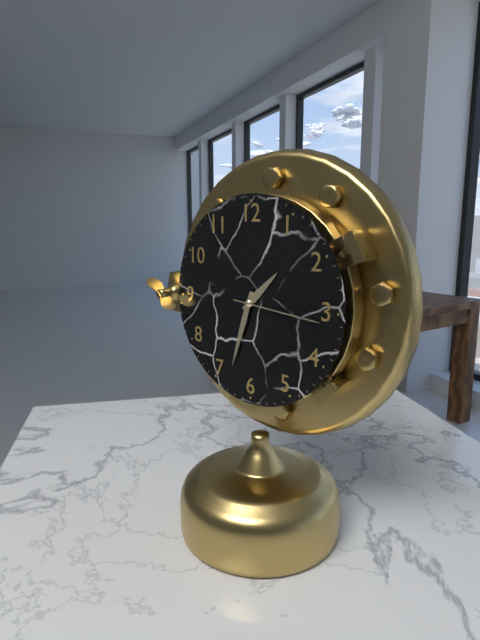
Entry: 1 h 33 min 16 s
